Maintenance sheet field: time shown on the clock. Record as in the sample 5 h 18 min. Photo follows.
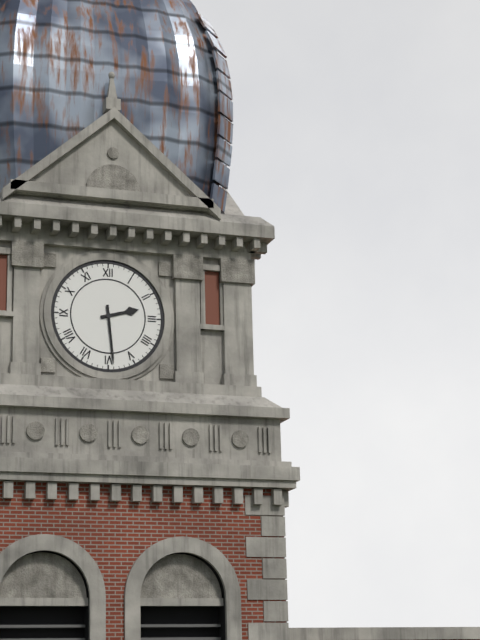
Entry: 2 h 29 min
